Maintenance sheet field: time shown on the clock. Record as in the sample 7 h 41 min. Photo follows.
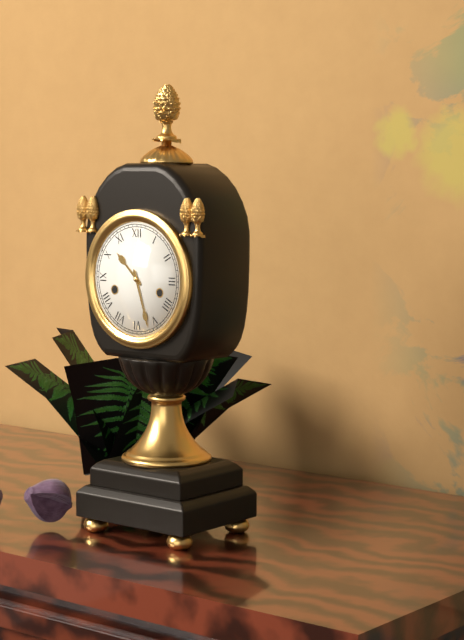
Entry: 10 h 27 min
